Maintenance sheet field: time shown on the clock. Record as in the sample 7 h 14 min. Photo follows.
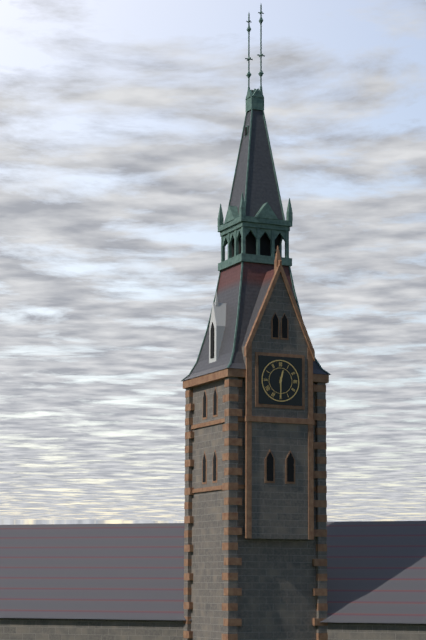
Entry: 12 h 30 min
